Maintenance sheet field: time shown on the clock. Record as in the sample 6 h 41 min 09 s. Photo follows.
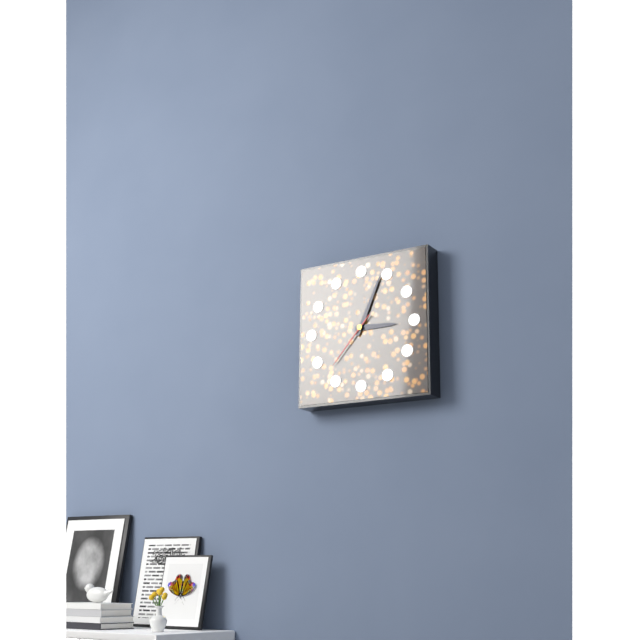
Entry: 3 h 04 min 37 s
